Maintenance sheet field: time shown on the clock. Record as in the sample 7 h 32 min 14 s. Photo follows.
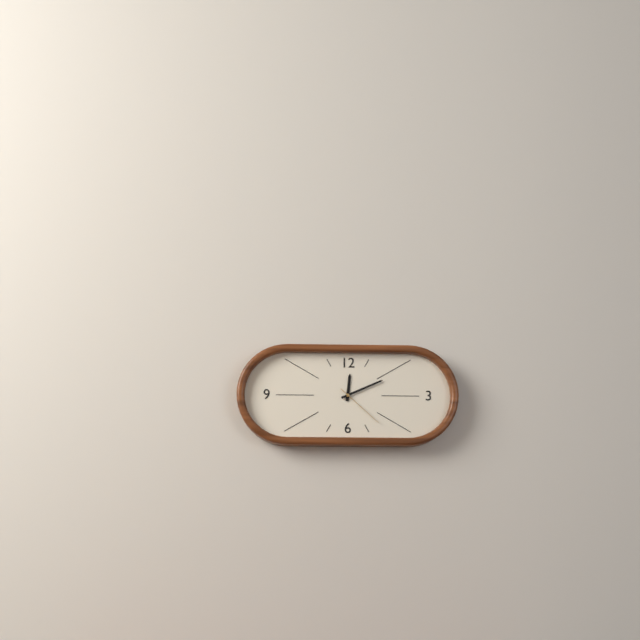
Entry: 12 h 11 min 22 s
